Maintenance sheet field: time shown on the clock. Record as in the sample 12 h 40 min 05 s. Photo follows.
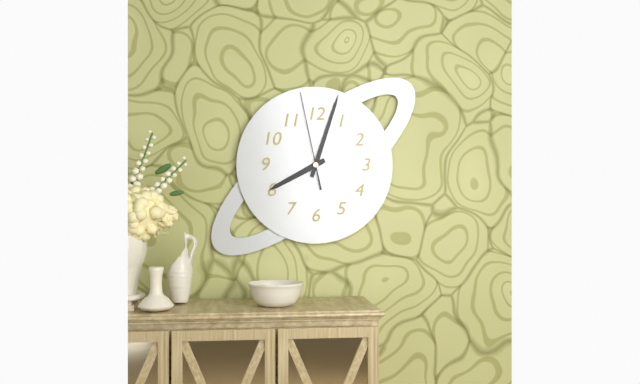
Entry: 8 h 03 min 58 s
